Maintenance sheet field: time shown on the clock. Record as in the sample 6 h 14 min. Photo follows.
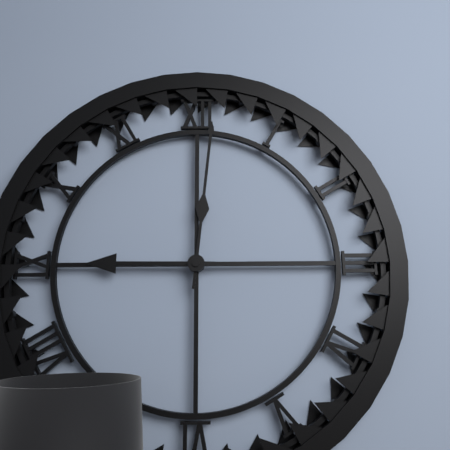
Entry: 9 h 01 min
